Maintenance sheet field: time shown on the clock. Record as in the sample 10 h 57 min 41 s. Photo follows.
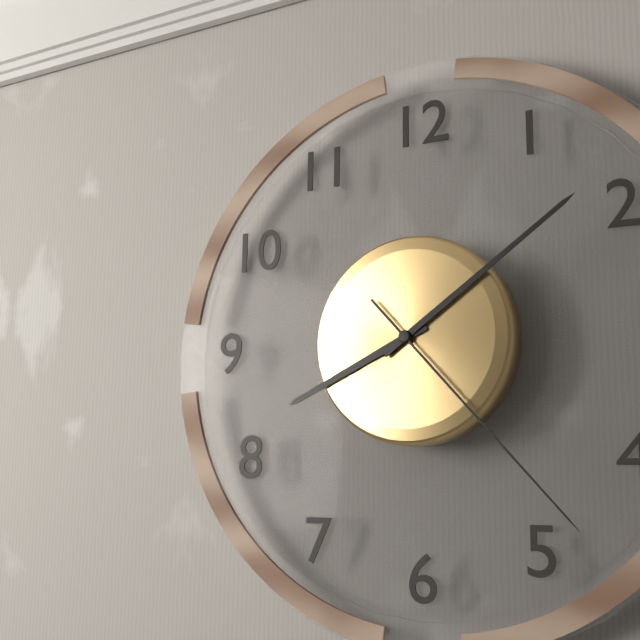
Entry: 8 h 09 min 23 s
